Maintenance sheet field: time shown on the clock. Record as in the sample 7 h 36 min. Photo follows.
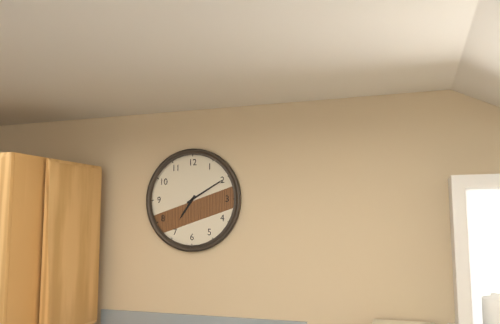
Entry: 7 h 10 min
